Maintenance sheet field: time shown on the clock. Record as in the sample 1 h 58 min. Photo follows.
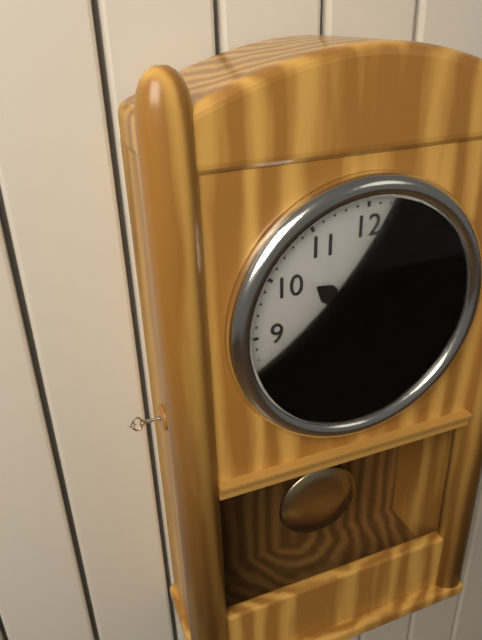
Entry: 10 h 18 min
